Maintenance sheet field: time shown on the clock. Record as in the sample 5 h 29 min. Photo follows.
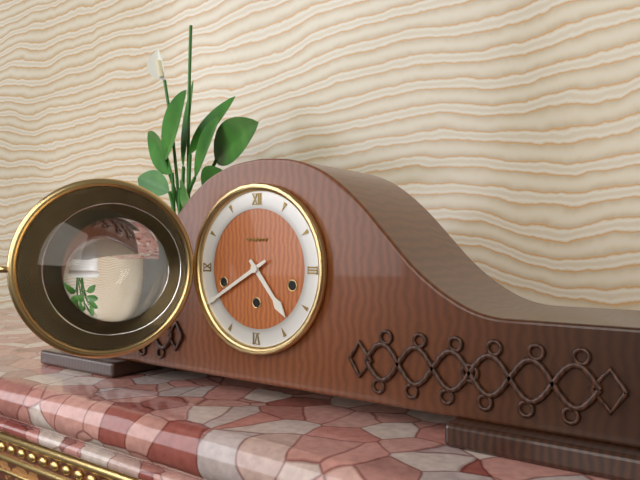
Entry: 4 h 40 min
